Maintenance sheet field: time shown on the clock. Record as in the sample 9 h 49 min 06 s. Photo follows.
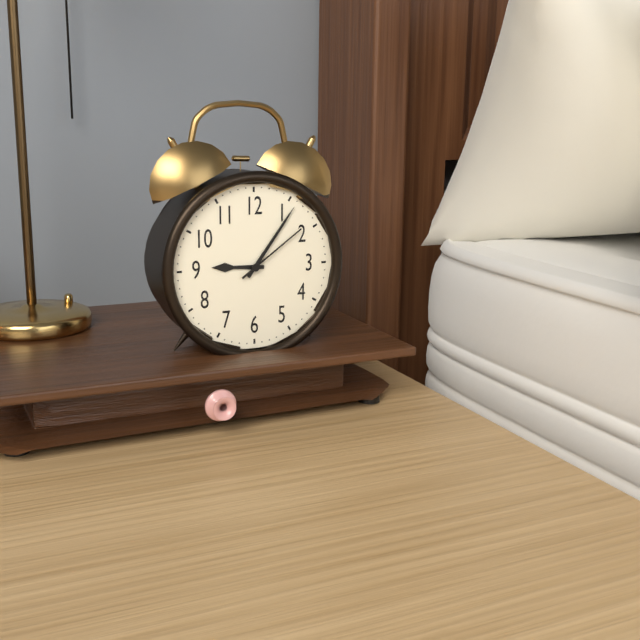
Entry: 9 h 06 min 09 s
